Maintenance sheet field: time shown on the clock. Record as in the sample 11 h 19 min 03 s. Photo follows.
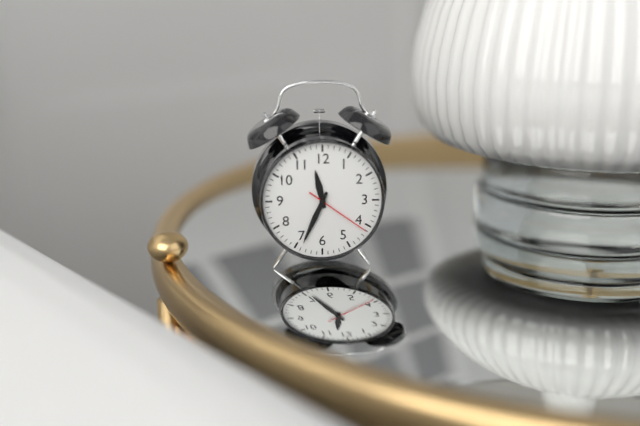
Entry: 11 h 34 min 21 s
